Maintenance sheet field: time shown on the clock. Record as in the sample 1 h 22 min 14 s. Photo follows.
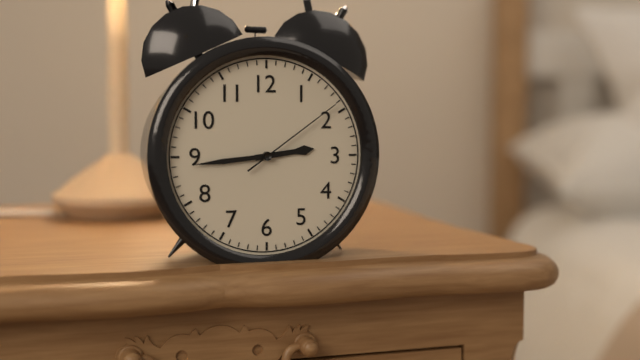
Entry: 2 h 44 min 09 s
